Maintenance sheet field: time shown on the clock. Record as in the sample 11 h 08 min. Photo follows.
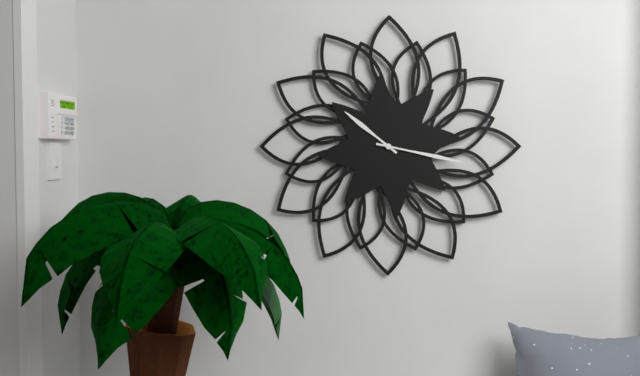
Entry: 10 h 17 min
